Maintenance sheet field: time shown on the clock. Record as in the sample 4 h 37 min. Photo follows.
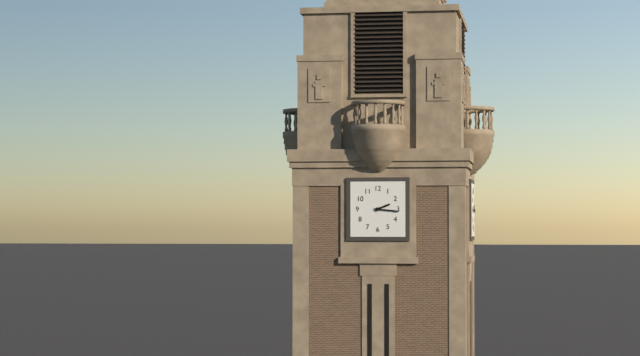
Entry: 2 h 16 min
